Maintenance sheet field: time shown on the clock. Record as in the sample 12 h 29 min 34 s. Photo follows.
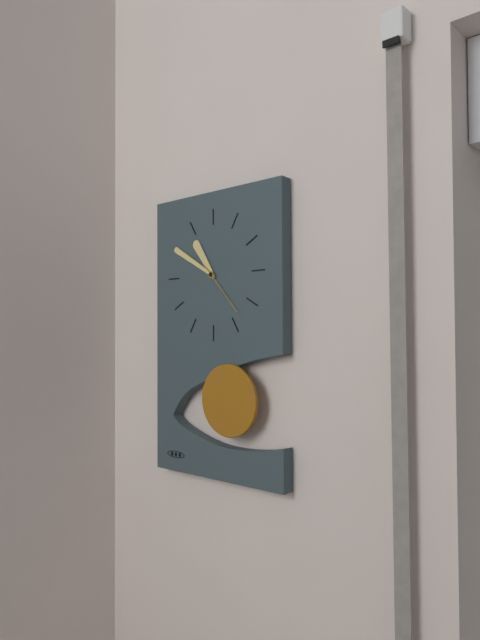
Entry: 10 h 50 min 23 s
